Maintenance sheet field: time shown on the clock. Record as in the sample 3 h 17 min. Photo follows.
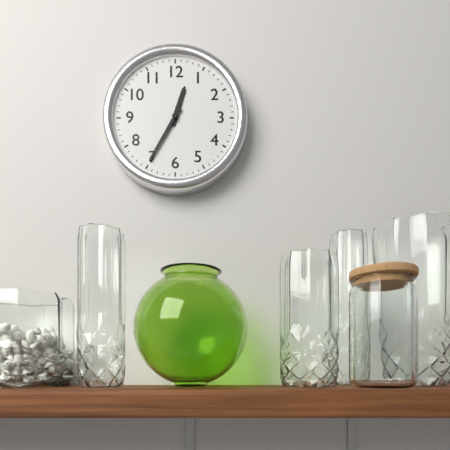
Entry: 12 h 35 min
